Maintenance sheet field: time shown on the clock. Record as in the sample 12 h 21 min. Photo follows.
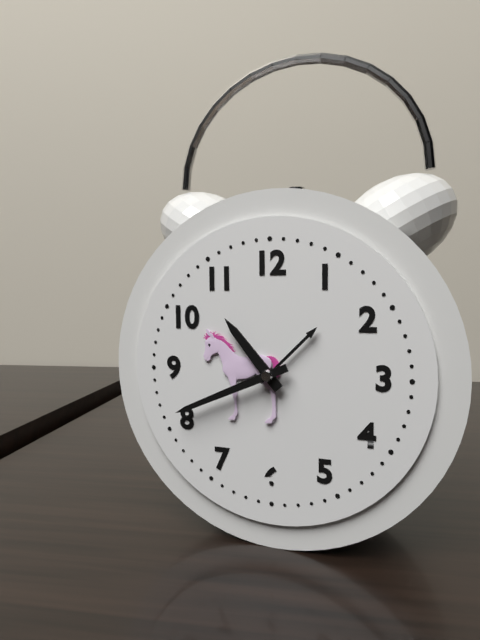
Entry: 10 h 41 min
